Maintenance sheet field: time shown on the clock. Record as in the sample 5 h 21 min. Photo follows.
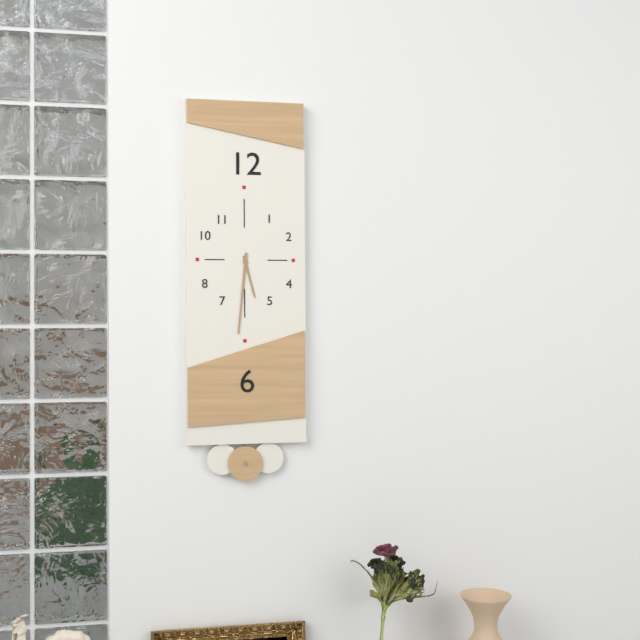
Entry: 5 h 31 min
